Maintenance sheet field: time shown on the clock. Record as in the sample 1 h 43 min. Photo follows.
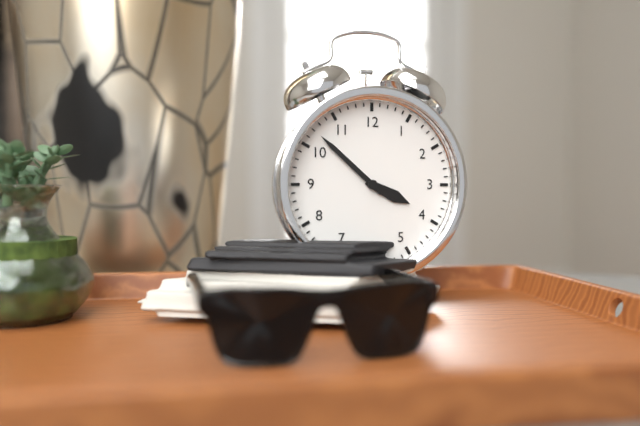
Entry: 3 h 52 min
